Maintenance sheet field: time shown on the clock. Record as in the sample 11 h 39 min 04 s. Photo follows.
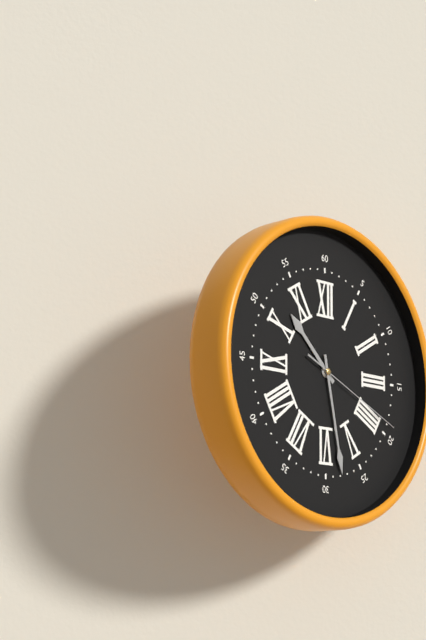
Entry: 10 h 28 min 19 s
